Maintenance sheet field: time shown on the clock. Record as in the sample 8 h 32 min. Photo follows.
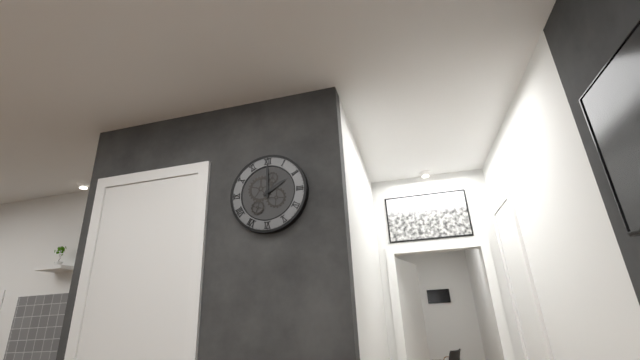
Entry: 2 h 00 min
